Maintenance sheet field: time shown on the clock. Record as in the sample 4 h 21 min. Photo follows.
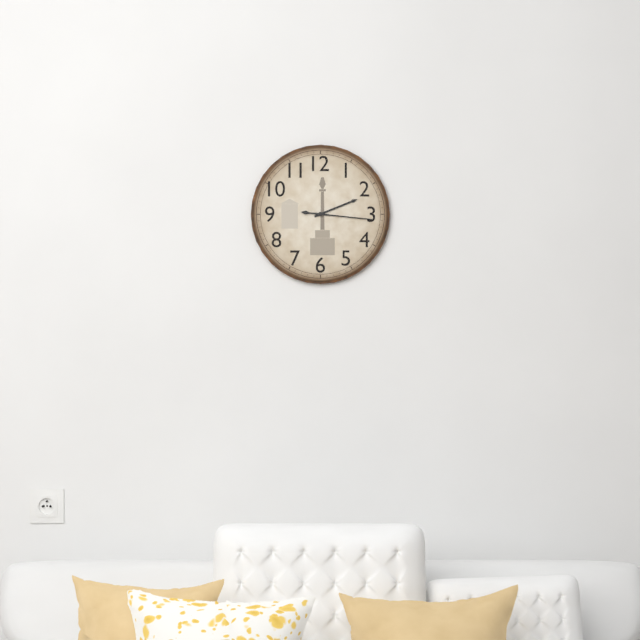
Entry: 2 h 16 min
